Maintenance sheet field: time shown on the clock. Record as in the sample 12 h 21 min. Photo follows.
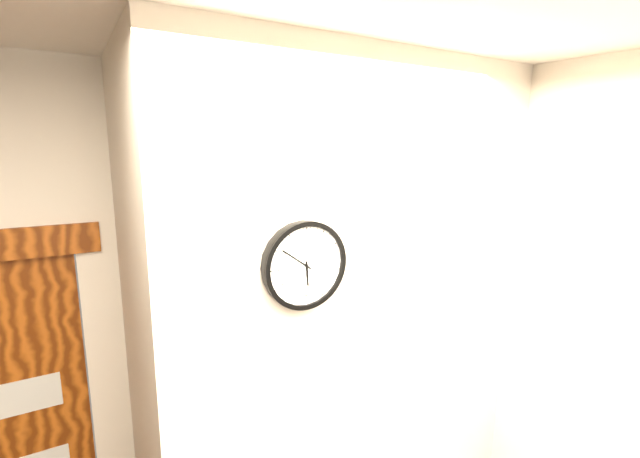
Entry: 5 h 51 min
